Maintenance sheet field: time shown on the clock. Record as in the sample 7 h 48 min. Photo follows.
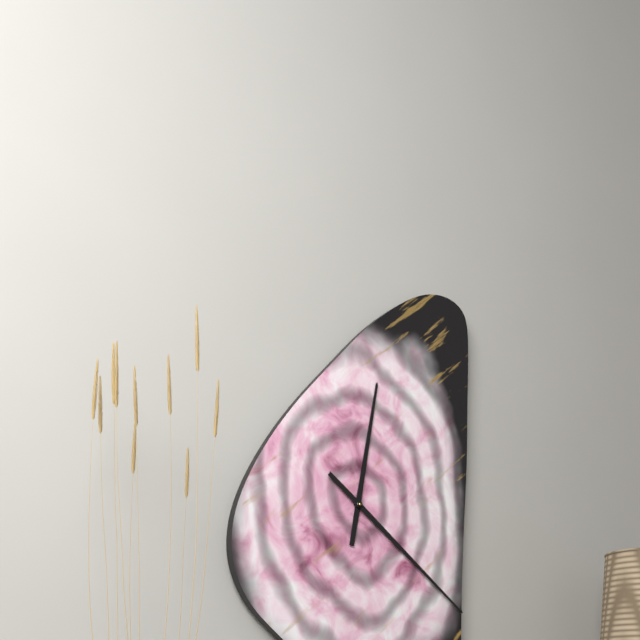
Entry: 12 h 21 min
